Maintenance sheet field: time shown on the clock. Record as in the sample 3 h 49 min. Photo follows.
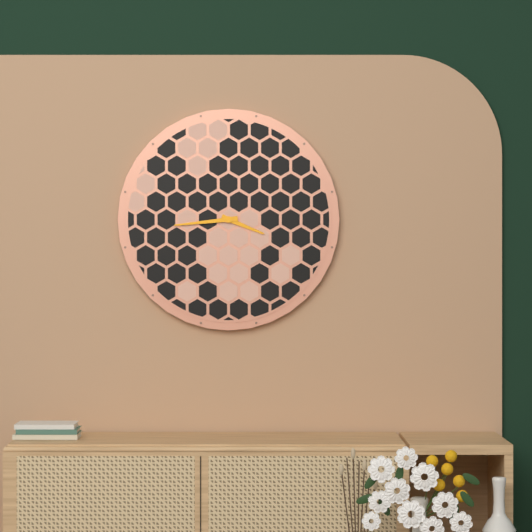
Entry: 3 h 44 min
